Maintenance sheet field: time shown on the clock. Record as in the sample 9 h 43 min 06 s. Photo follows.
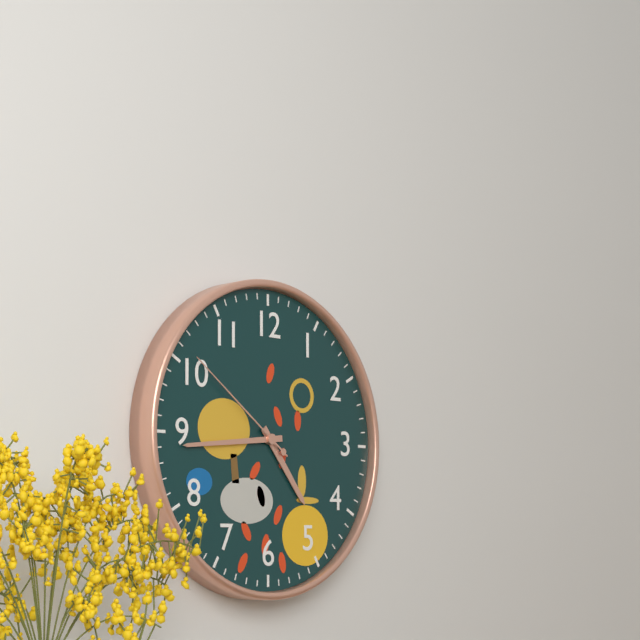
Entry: 4 h 44 min 51 s
